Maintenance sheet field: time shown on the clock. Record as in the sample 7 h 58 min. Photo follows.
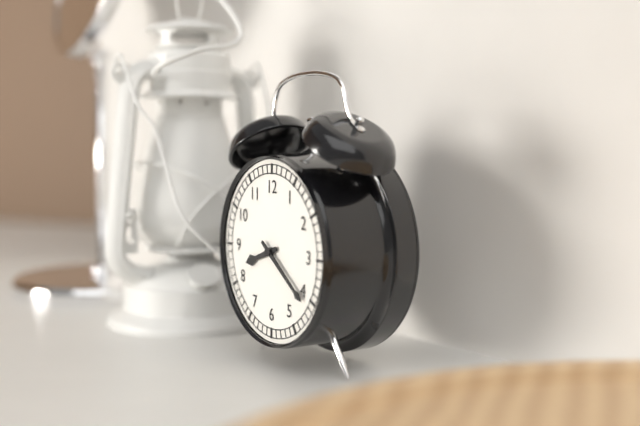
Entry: 8 h 21 min
